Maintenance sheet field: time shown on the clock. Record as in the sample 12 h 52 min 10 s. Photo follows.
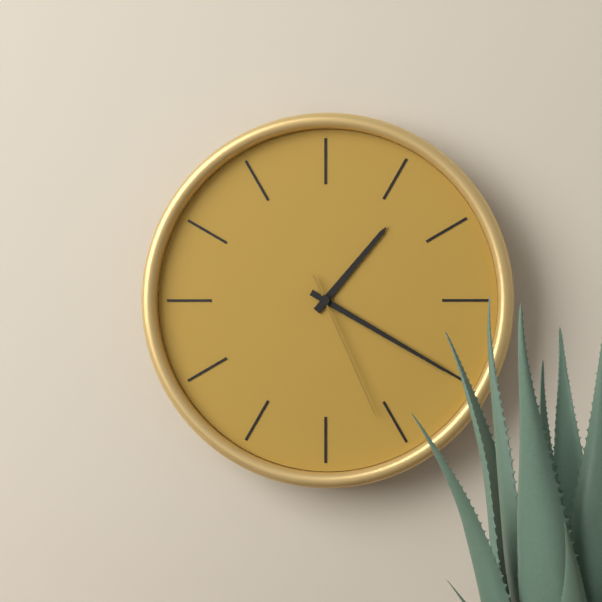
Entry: 1 h 20 min 26 s
